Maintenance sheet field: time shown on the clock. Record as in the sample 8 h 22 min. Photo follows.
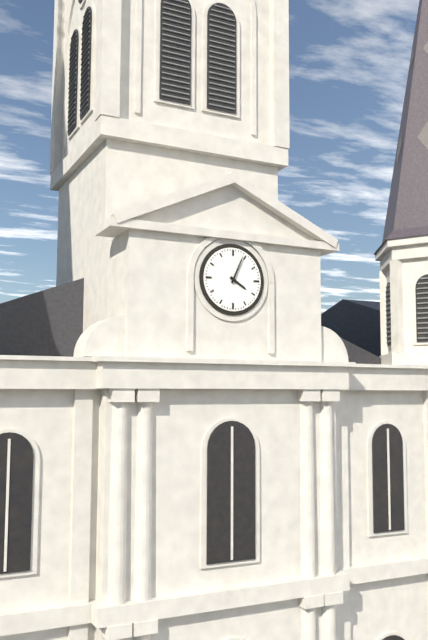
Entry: 4 h 04 min
